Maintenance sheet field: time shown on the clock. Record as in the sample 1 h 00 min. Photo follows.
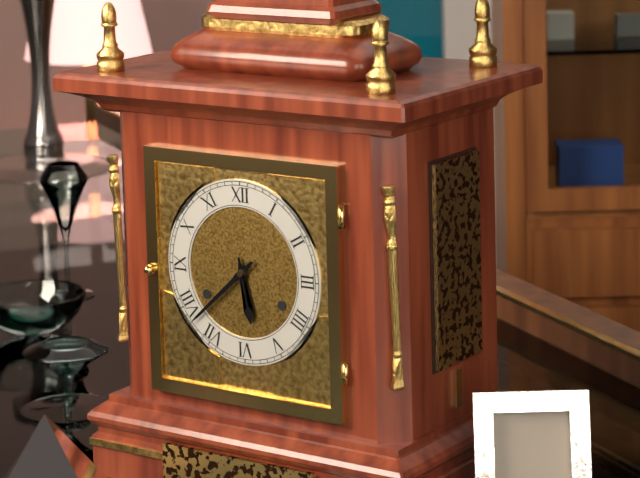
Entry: 5 h 38 min
